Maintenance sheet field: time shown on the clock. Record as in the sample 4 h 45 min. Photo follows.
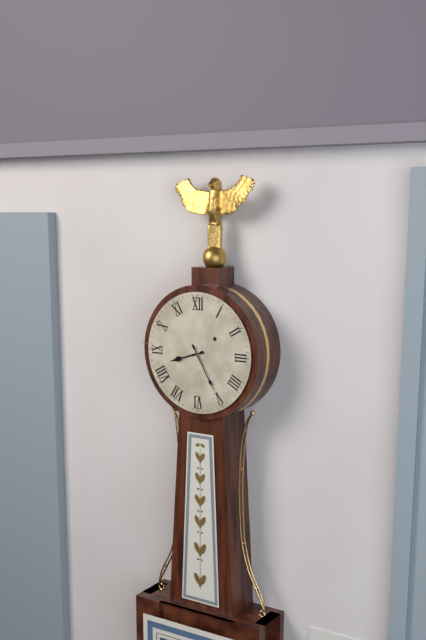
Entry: 8 h 25 min
